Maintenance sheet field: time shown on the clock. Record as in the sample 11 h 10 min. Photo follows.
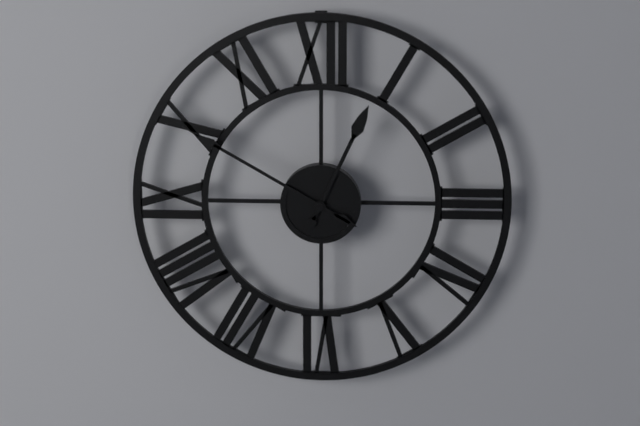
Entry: 12 h 50 min
